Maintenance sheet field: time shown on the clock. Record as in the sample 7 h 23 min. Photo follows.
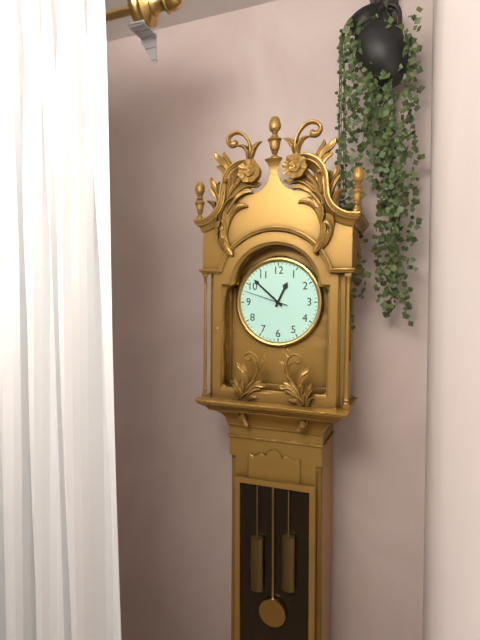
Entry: 12 h 52 min
